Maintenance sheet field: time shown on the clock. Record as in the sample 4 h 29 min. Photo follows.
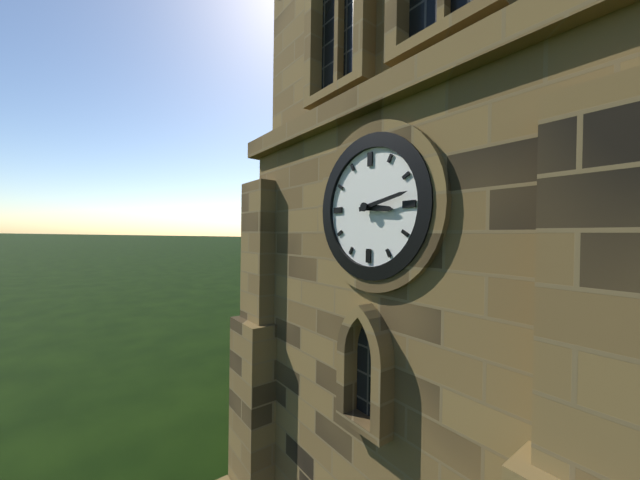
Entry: 3 h 13 min
